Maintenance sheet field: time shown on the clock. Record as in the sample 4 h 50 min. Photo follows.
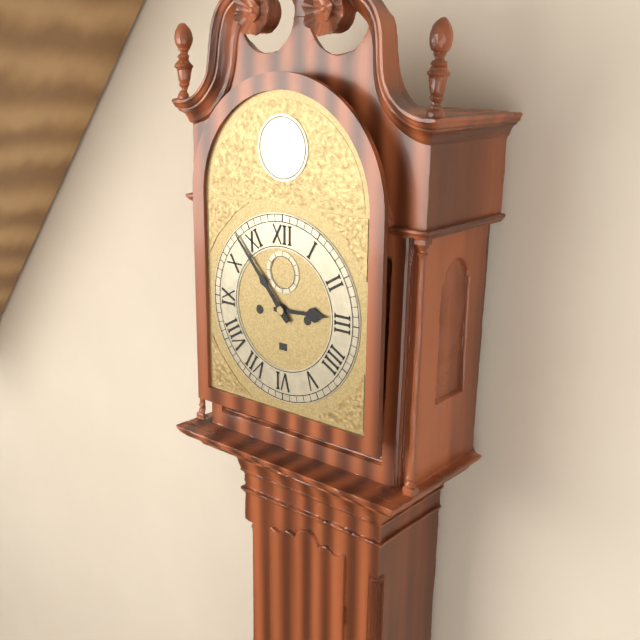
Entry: 2 h 53 min
